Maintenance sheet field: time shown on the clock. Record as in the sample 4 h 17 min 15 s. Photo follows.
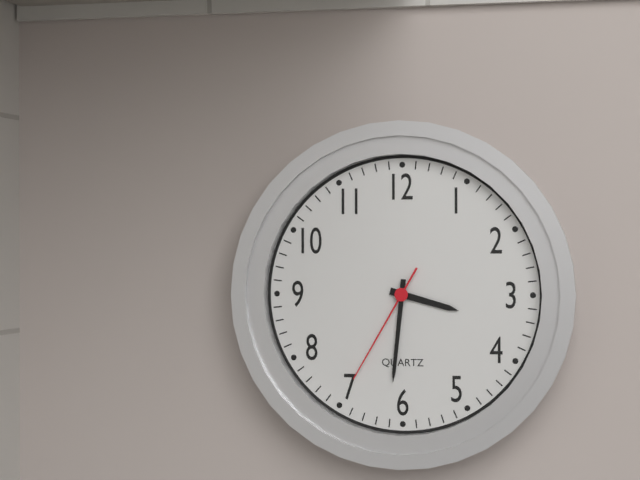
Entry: 3 h 31 min 35 s
